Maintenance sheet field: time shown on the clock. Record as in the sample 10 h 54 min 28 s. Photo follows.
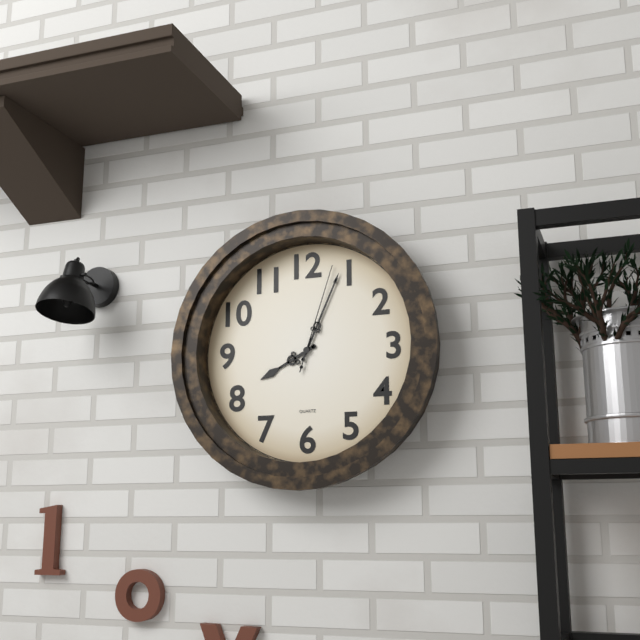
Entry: 8 h 04 min 03 s
